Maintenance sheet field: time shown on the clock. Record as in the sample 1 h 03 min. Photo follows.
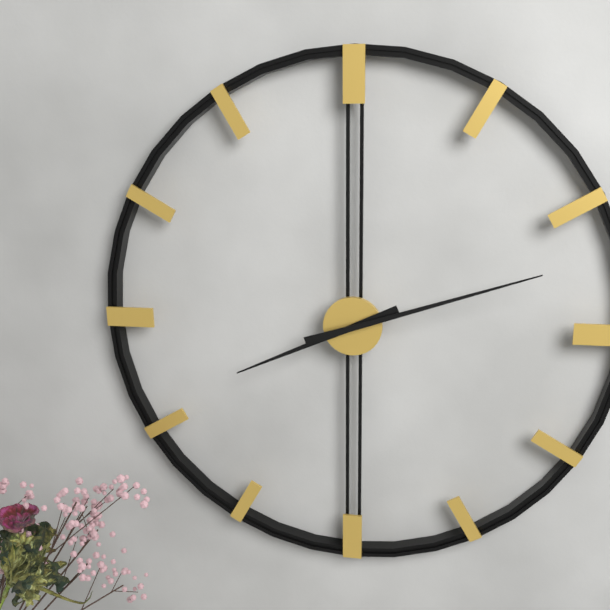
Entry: 8 h 12 min
